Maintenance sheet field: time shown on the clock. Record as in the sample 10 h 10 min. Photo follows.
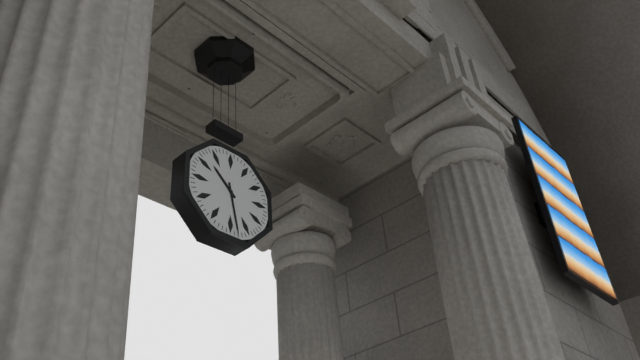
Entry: 10 h 28 min
